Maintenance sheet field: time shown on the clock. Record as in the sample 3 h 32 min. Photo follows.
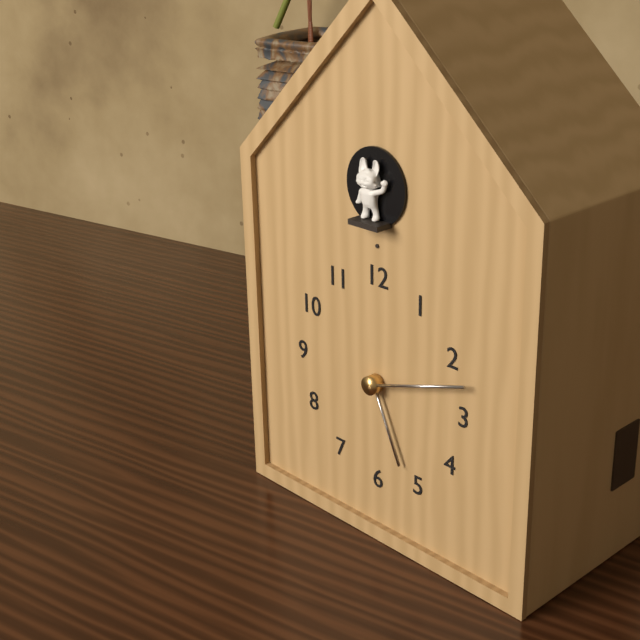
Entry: 5 h 12 min
